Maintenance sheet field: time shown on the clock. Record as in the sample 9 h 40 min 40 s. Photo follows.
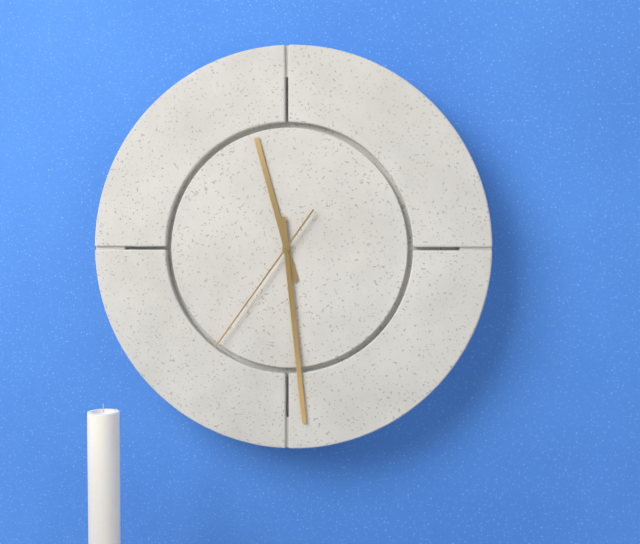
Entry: 11 h 29 min 36 s
